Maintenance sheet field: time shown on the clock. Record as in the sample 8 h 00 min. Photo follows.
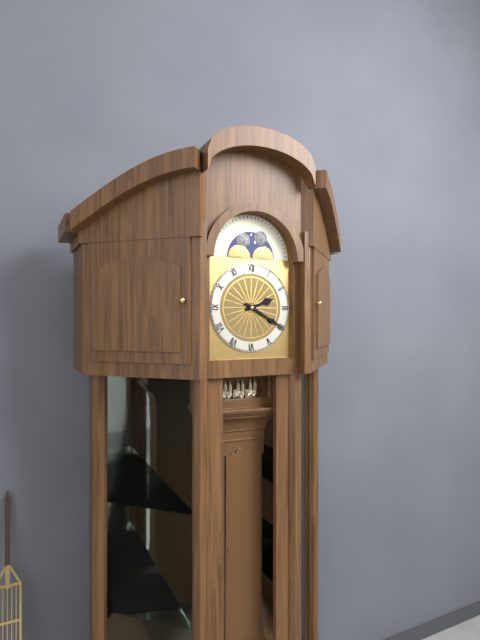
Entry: 2 h 20 min
